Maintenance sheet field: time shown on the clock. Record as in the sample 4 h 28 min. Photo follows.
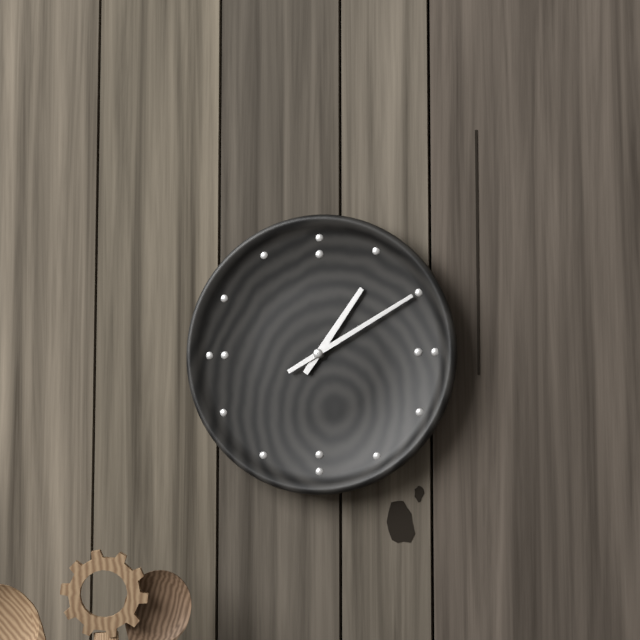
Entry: 1 h 10 min
